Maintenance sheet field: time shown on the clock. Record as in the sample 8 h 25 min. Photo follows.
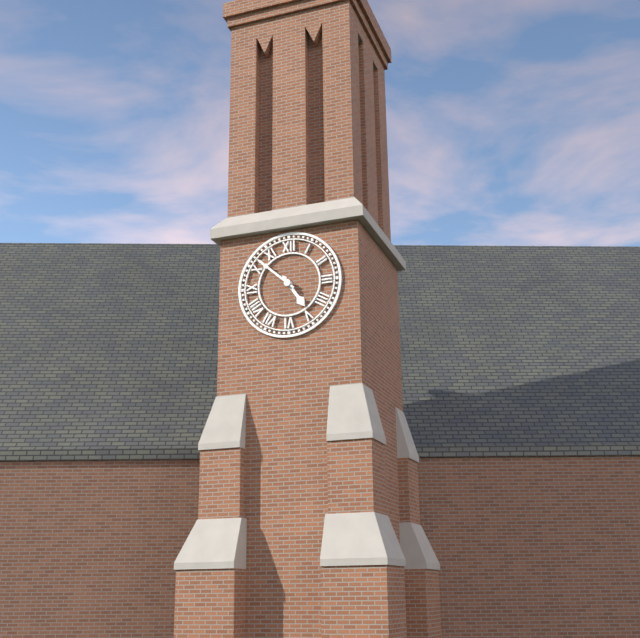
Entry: 4 h 52 min
